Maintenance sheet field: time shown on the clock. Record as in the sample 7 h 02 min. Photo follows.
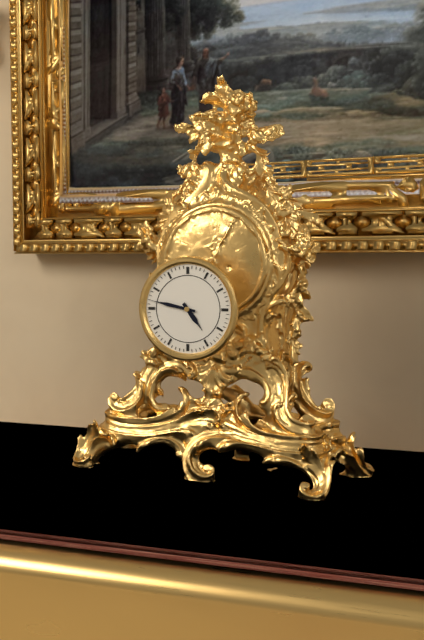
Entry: 4 h 47 min
